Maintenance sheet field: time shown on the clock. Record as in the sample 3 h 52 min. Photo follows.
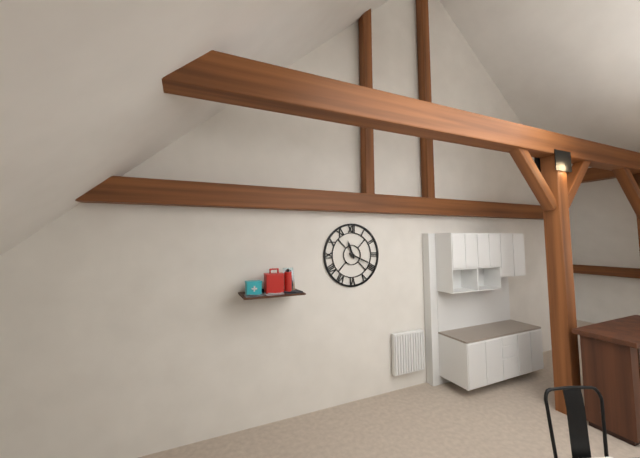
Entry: 11 h 19 min
